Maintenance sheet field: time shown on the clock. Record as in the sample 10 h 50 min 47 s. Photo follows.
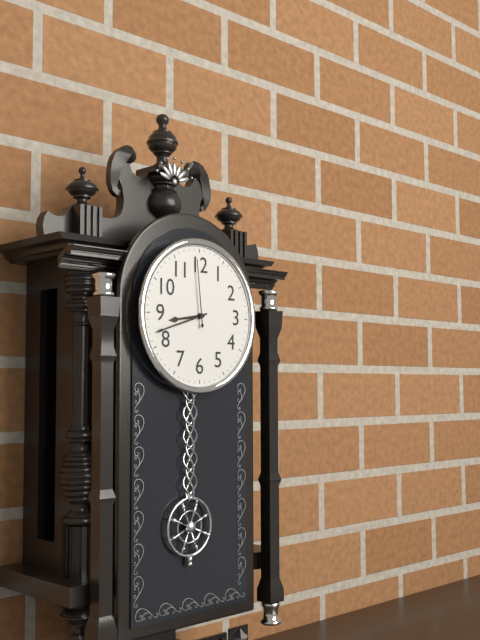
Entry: 8 h 42 min 59 s
